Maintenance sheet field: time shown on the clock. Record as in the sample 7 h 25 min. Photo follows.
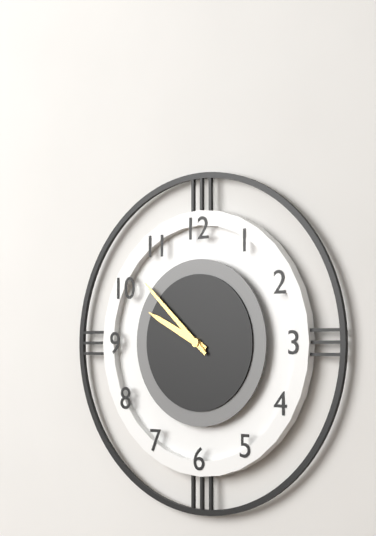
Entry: 9 h 52 min
